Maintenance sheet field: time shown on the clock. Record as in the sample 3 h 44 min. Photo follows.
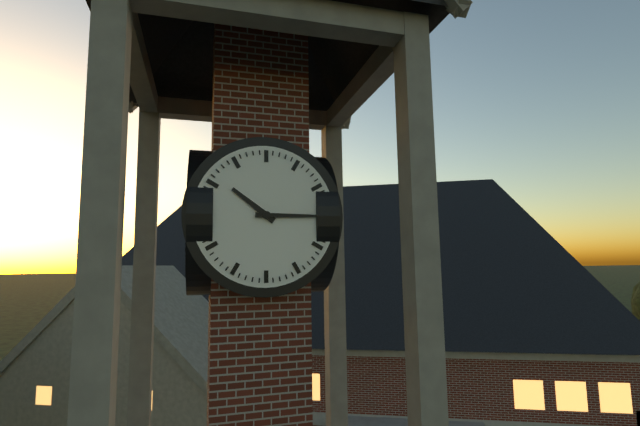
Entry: 10 h 15 min
